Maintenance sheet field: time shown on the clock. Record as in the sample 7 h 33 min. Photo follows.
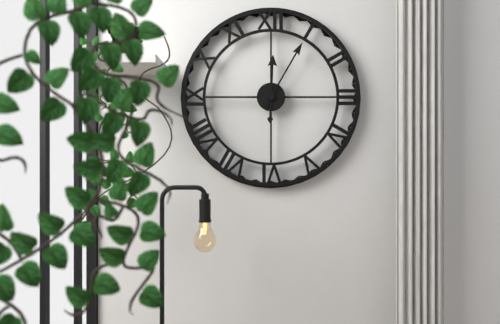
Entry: 12 h 05 min
